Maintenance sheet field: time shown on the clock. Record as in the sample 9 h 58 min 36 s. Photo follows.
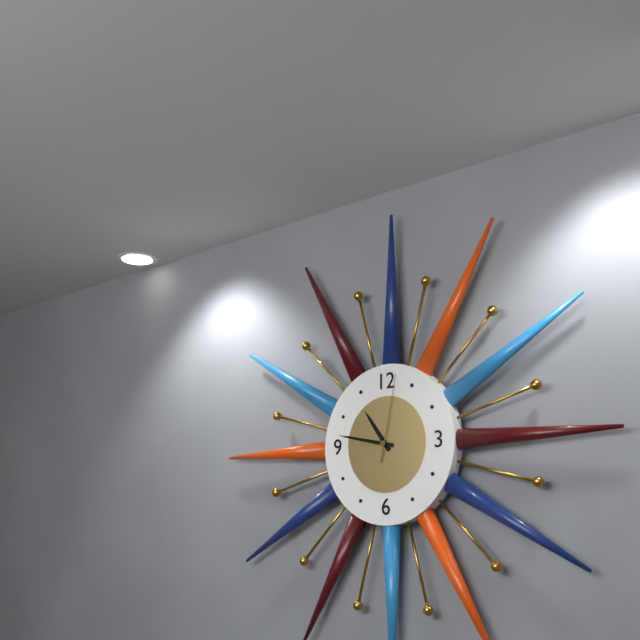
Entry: 10 h 47 min 02 s
